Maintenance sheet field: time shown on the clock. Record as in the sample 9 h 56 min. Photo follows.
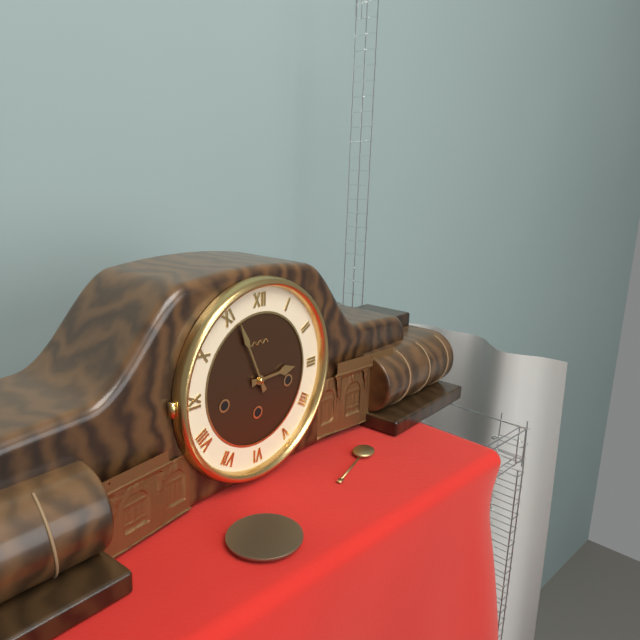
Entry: 2 h 56 min
